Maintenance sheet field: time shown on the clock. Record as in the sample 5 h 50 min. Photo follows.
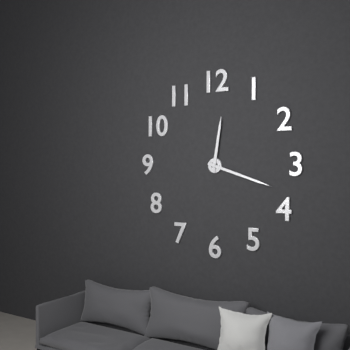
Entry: 12 h 18 min
